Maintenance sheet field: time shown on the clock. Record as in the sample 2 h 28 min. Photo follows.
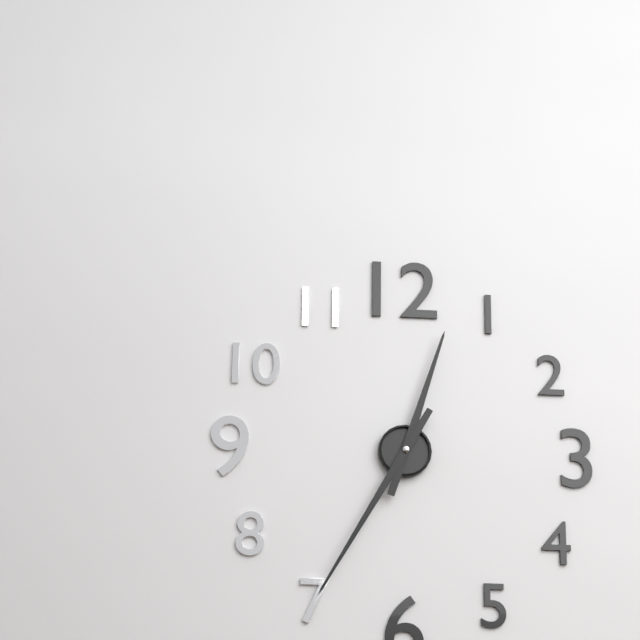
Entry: 12 h 35 min
